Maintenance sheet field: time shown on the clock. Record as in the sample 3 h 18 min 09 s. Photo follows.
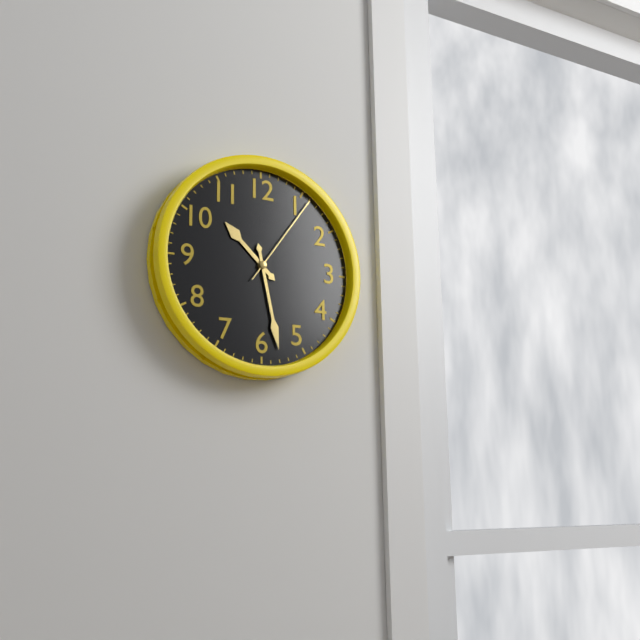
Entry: 10 h 28 min 06 s
